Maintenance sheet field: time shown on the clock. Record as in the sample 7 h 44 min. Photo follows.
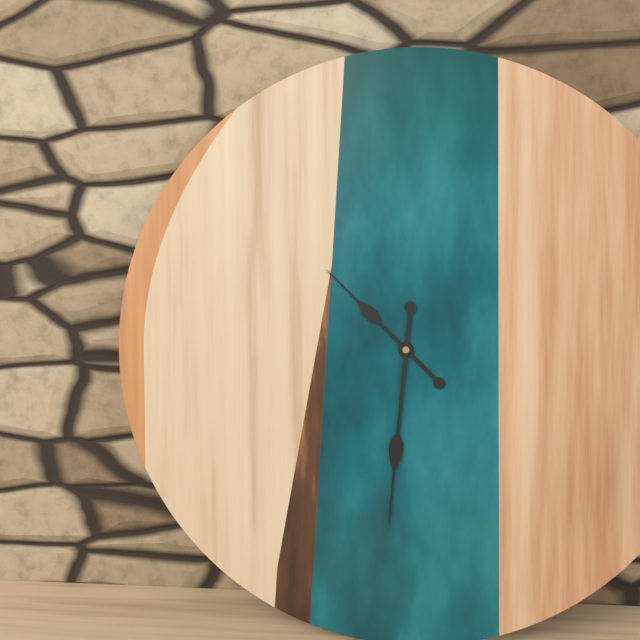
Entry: 10 h 31 min
